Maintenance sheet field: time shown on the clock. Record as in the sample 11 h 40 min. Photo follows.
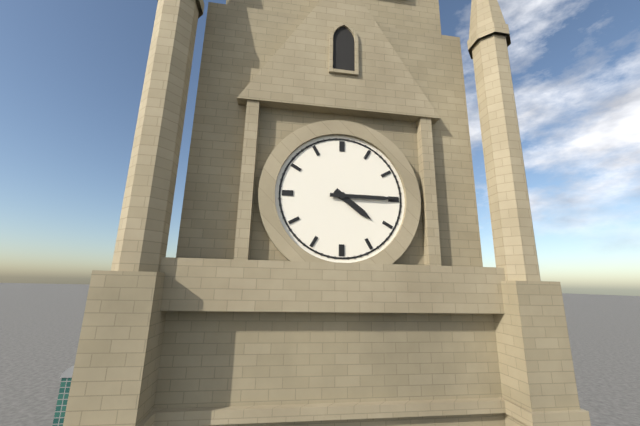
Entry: 4 h 15 min
